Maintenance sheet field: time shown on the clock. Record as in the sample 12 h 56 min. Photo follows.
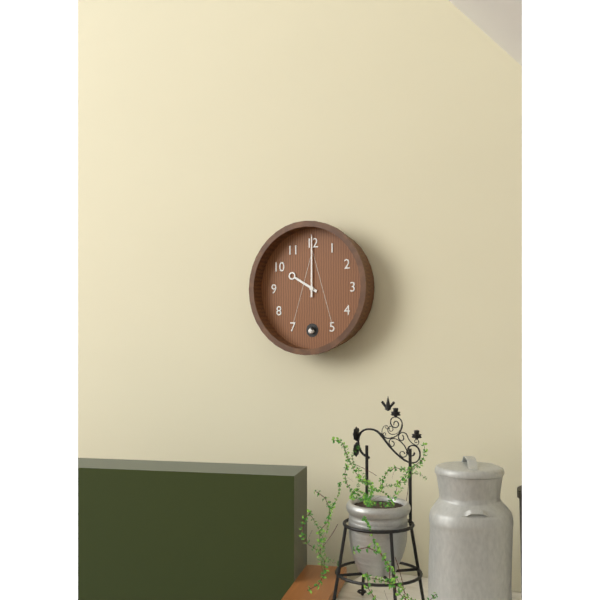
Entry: 10 h 00 min
